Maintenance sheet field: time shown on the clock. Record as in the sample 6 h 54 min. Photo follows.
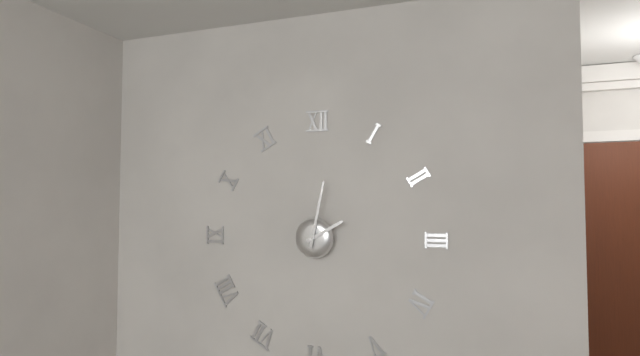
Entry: 2 h 02 min
